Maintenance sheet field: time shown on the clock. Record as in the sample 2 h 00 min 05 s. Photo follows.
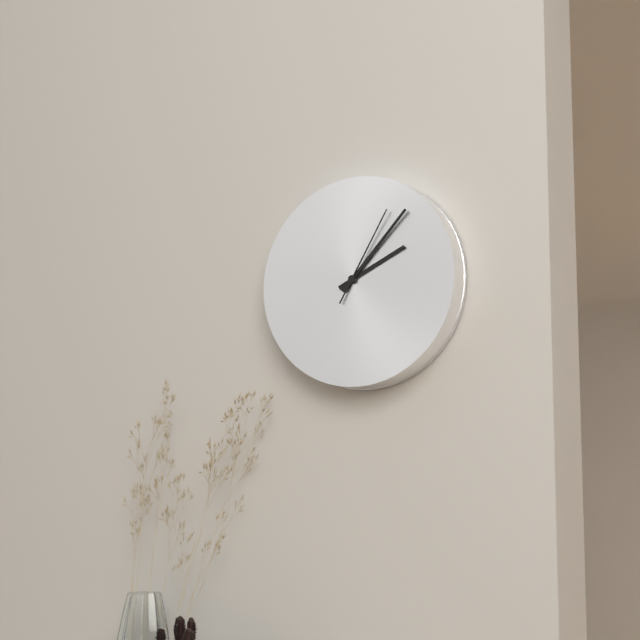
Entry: 2 h 07 min 05 s
